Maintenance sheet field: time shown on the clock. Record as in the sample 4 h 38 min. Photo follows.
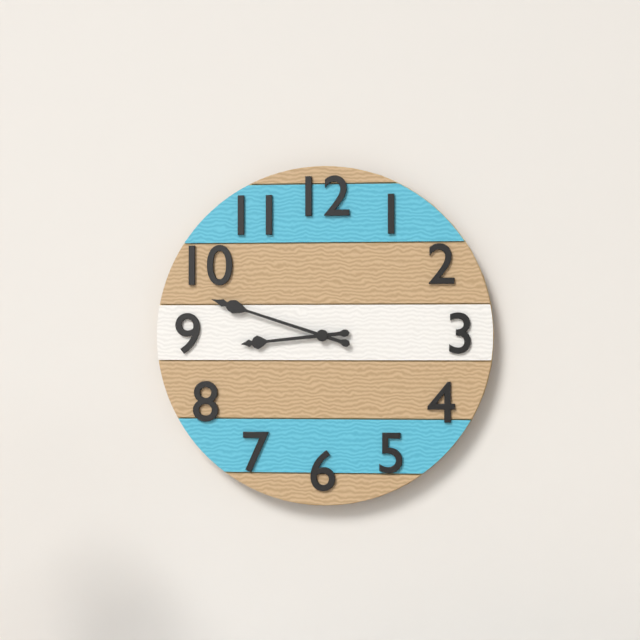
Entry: 8 h 48 min
